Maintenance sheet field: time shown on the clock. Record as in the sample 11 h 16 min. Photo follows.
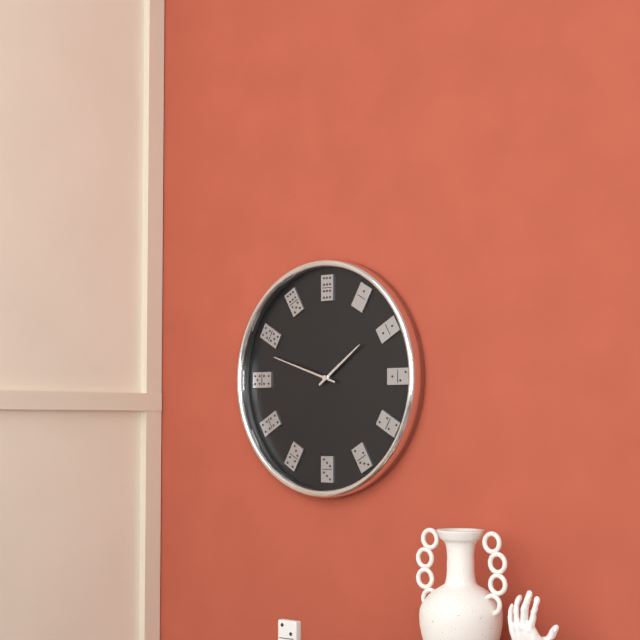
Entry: 1 h 48 min
